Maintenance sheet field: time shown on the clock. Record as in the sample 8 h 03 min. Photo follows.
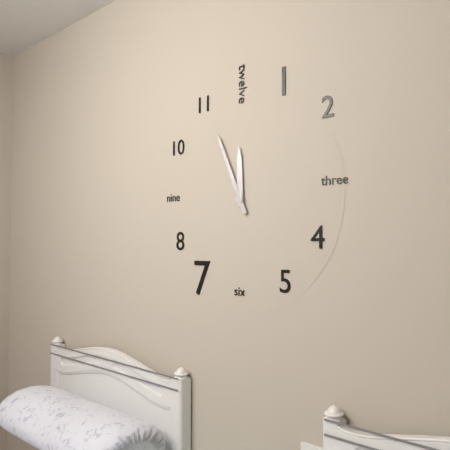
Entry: 11 h 56 min
